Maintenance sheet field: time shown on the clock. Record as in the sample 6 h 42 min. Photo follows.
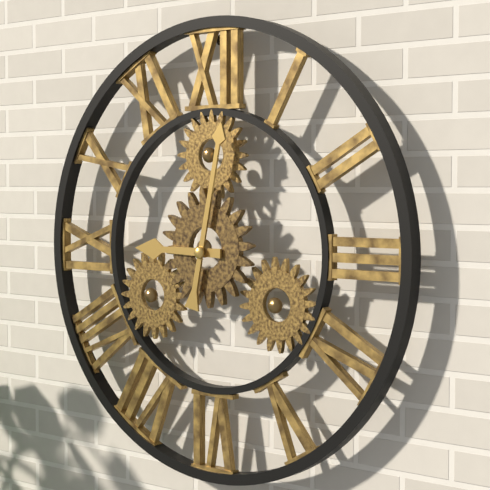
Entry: 9 h 02 min
